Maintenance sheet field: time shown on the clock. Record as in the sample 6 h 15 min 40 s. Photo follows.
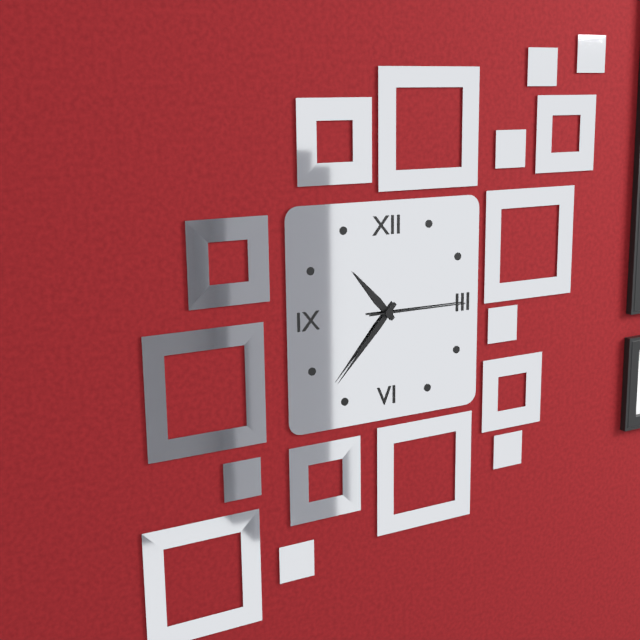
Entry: 10 h 37 min 15 s
